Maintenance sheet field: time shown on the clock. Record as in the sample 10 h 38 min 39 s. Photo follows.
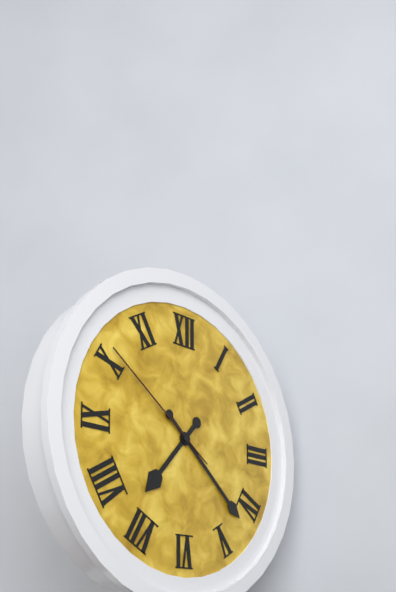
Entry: 7 h 22 min 51 s
